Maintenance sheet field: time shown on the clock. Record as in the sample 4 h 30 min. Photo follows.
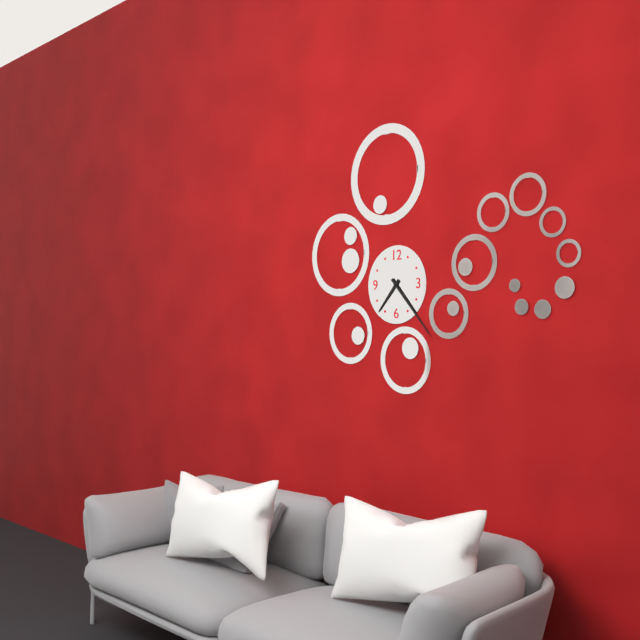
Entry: 7 h 23 min
